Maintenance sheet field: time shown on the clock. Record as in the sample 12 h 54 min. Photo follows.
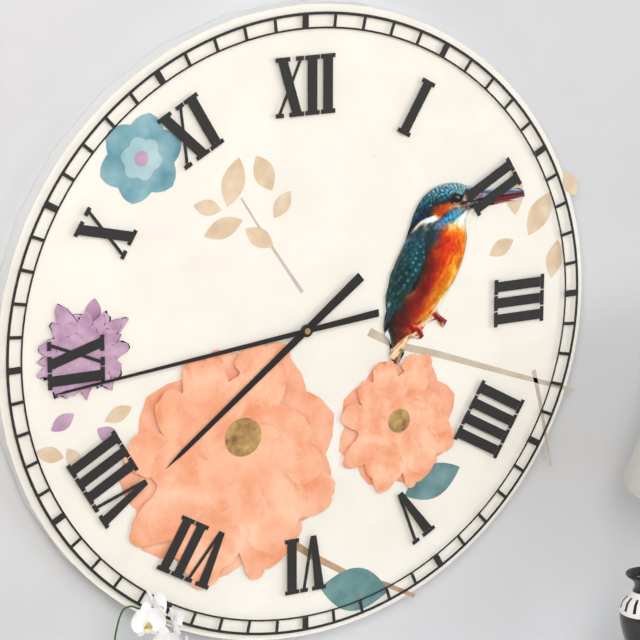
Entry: 7 h 44 min
